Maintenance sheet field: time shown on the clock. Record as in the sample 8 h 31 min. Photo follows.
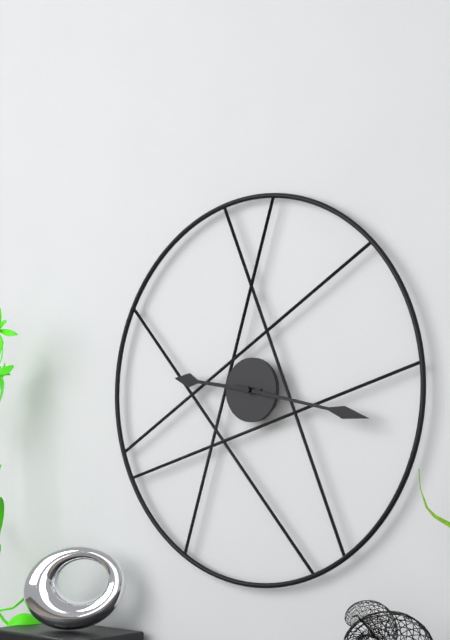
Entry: 9 h 17 min
